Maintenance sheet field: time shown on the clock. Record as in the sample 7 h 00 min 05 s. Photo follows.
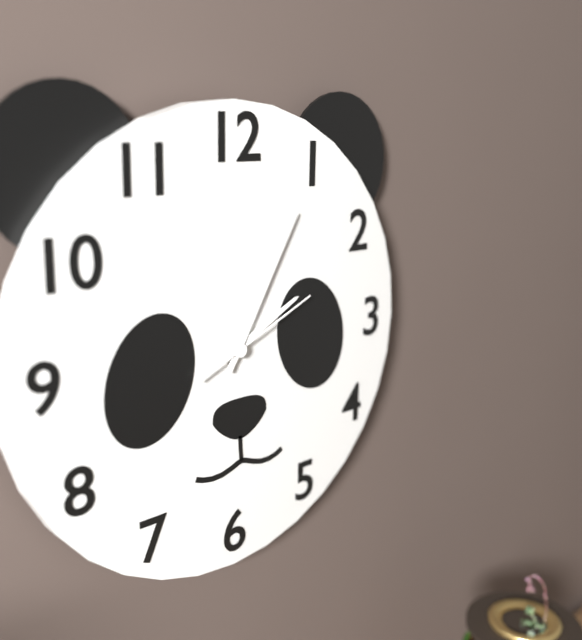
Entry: 2 h 05 min 11 s
